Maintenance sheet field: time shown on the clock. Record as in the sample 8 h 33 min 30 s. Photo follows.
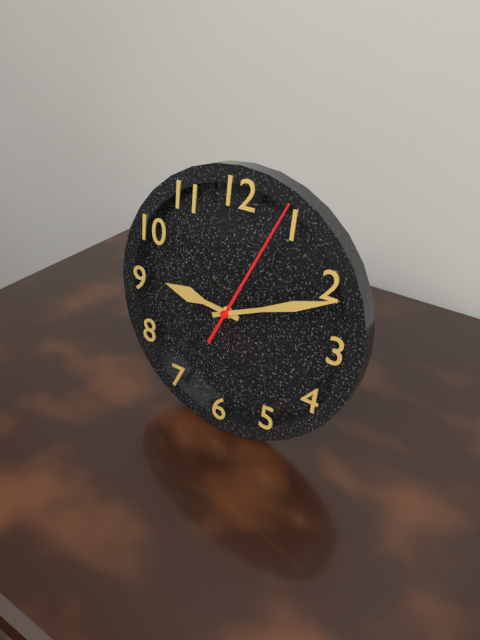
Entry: 9 h 11 min 04 s
